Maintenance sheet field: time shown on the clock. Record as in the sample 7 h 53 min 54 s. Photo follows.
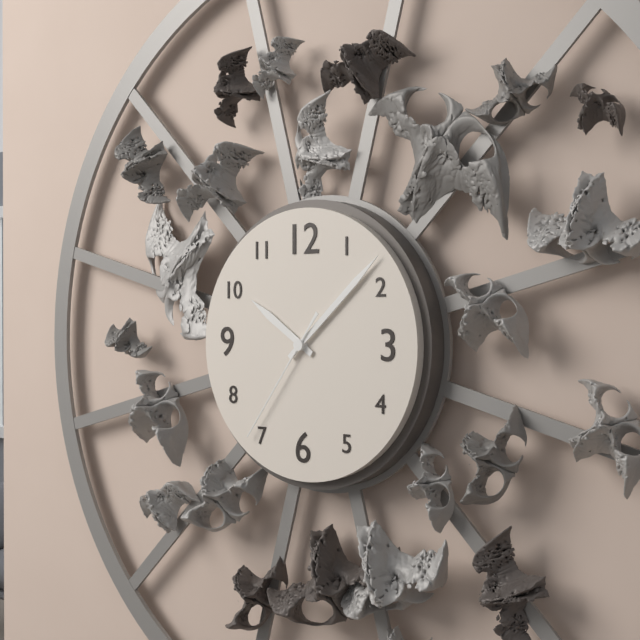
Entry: 10 h 08 min 36 s
